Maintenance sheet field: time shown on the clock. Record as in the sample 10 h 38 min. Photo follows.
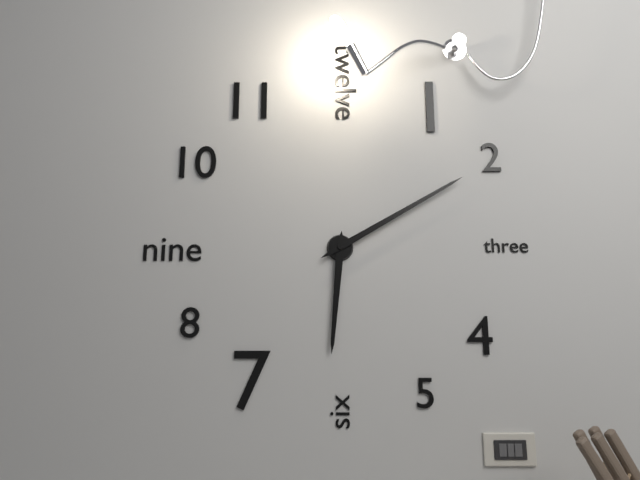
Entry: 6 h 10 min
